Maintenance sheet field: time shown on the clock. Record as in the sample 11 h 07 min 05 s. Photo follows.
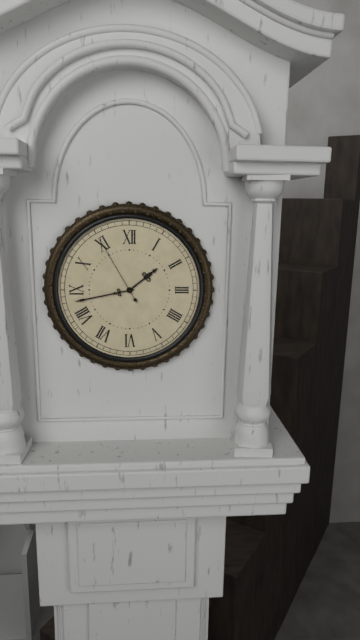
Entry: 1 h 43 min 55 s
